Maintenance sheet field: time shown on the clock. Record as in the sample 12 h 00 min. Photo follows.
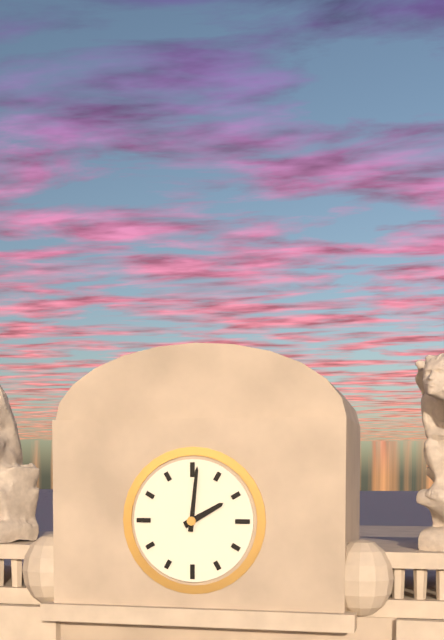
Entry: 2 h 01 min
